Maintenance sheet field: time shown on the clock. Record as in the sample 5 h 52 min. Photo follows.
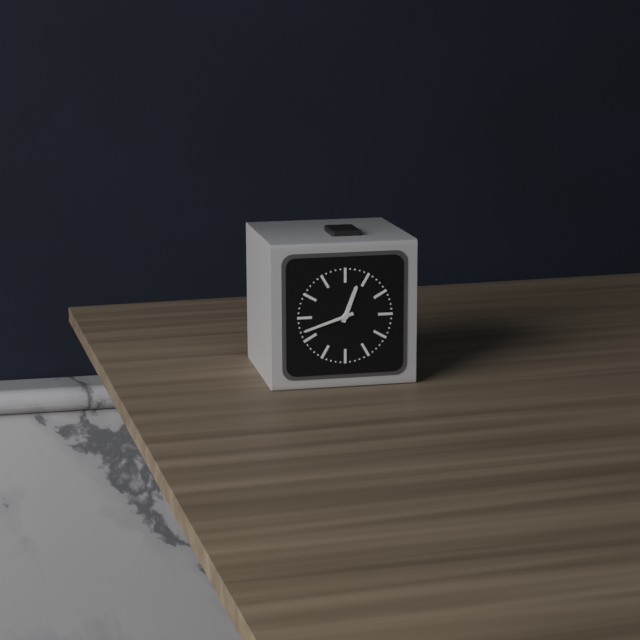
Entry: 12 h 42 min
